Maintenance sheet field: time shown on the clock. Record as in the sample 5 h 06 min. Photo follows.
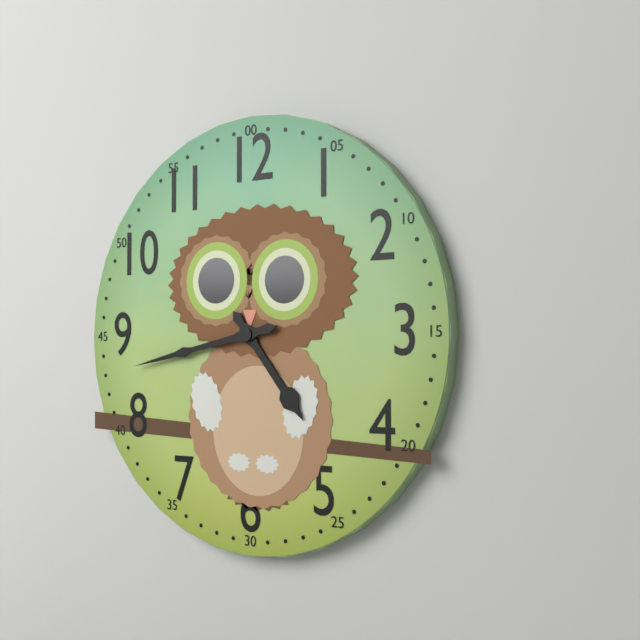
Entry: 4 h 43 min
